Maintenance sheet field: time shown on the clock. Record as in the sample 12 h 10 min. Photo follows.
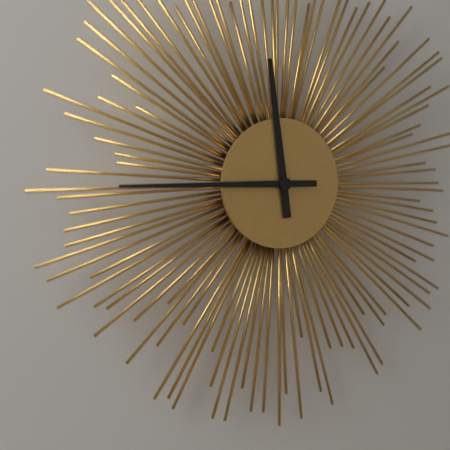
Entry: 11 h 45 min
